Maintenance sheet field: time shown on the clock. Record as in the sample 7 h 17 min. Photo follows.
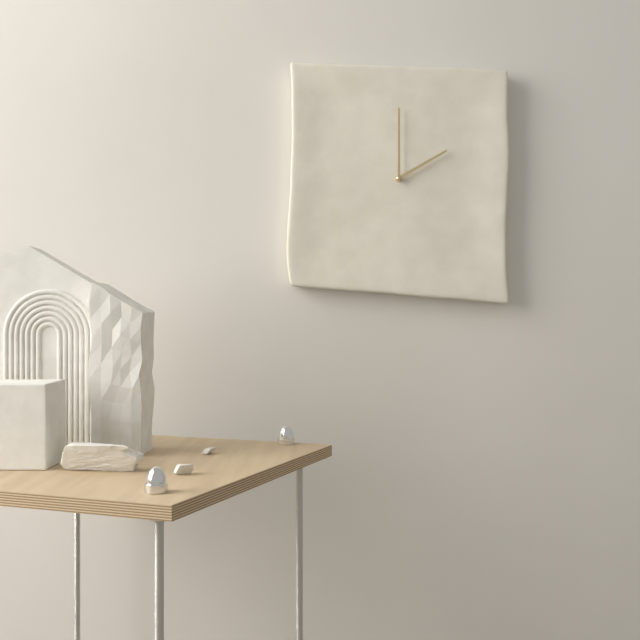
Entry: 2 h 00 min
